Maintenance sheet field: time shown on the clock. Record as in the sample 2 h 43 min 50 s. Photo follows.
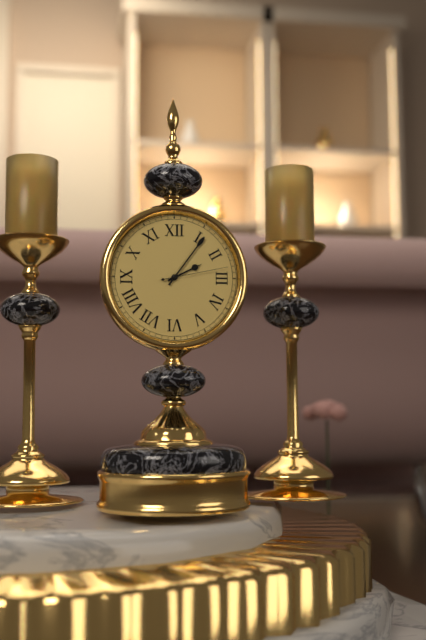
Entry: 2 h 06 min 13 s
